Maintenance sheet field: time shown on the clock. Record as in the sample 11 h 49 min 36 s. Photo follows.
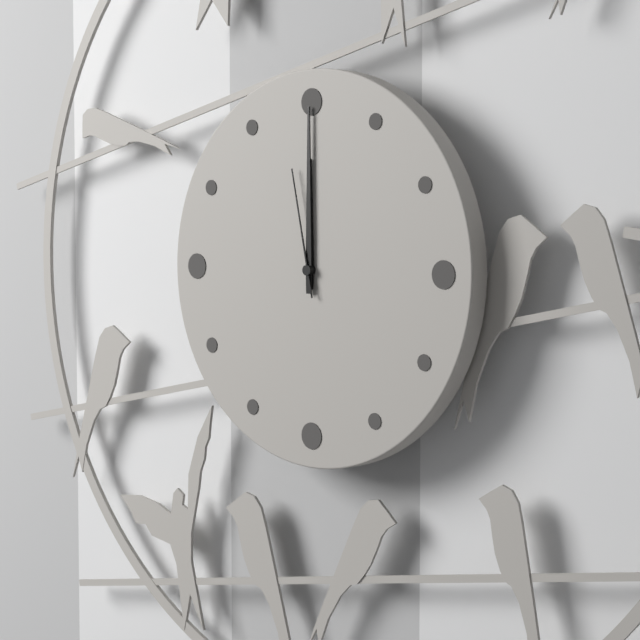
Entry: 12 h 00 min 58 s
